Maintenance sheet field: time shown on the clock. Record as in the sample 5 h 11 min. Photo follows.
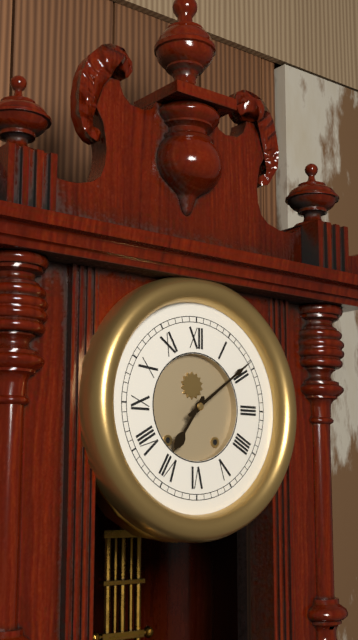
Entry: 7 h 09 min
